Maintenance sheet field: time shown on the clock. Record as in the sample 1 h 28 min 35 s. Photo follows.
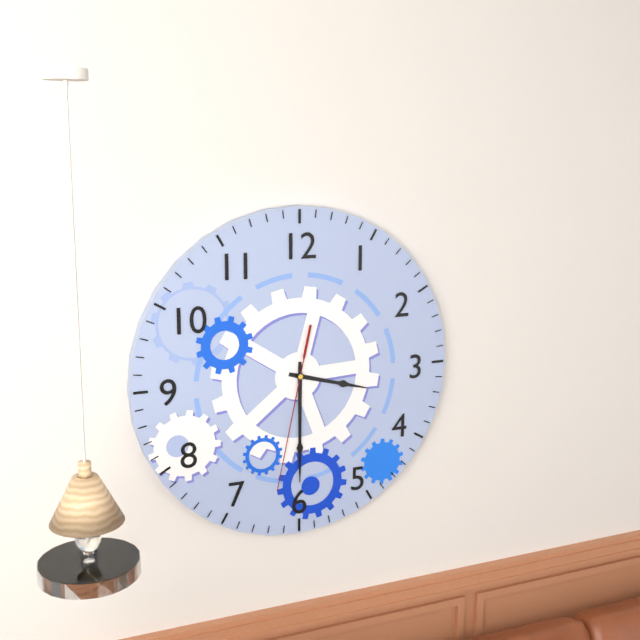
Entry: 3 h 30 min 32 s
